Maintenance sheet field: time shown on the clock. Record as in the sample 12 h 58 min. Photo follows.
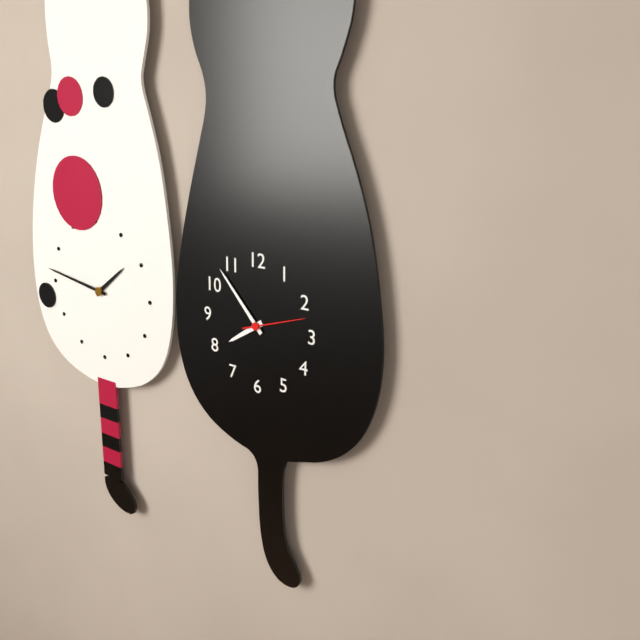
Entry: 7 h 53 min
